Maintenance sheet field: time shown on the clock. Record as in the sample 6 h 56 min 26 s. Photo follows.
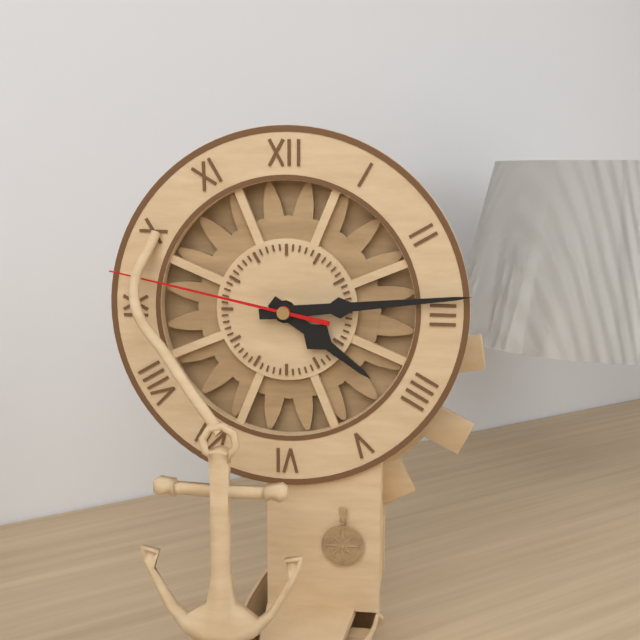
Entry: 4 h 14 min 47 s
